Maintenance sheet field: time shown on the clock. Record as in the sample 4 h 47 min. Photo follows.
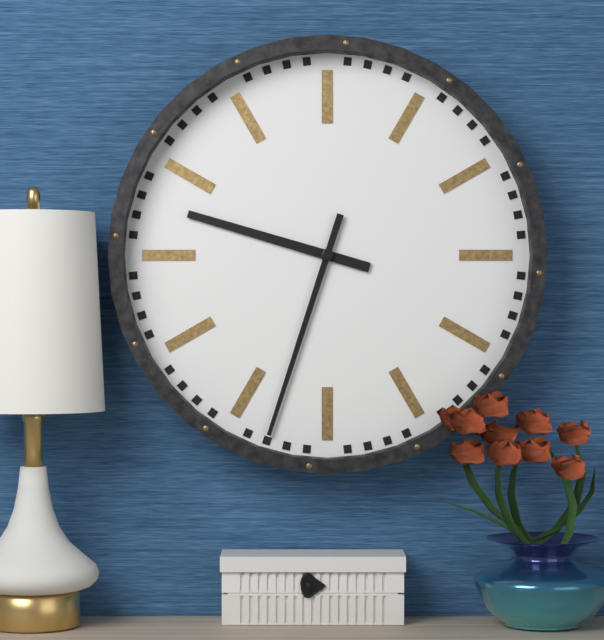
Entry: 9 h 33 min
